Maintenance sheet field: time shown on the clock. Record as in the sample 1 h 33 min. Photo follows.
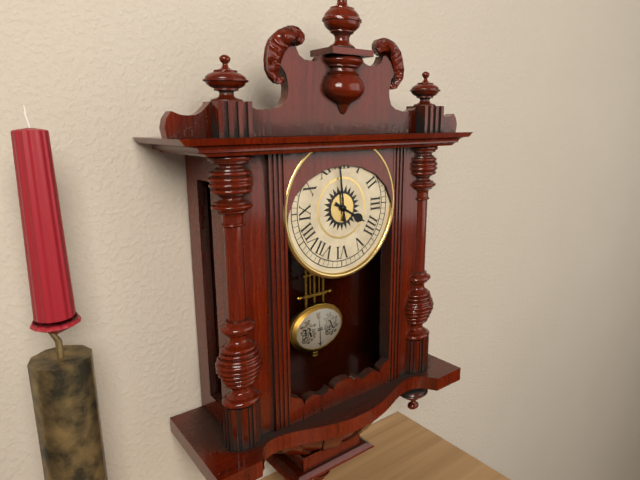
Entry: 3 h 59 min
